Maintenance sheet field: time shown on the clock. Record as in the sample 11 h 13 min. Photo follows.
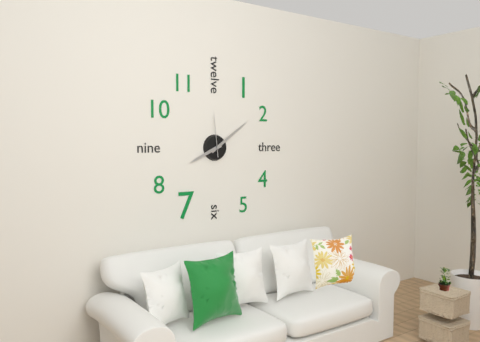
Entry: 8 h 09 min
